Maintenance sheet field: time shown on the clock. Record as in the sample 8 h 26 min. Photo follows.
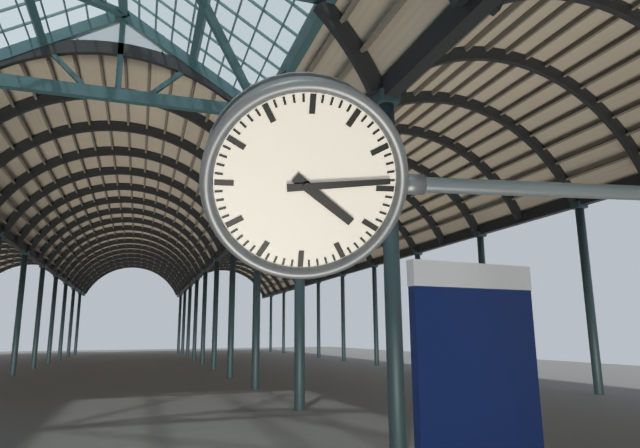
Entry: 4 h 14 min
